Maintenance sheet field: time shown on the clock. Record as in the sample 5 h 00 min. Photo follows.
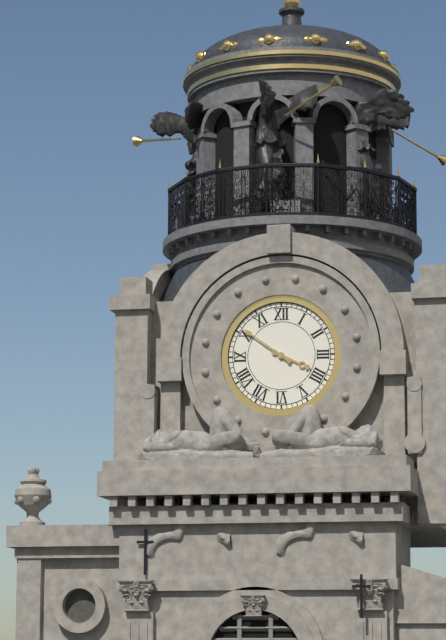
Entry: 3 h 51 min
